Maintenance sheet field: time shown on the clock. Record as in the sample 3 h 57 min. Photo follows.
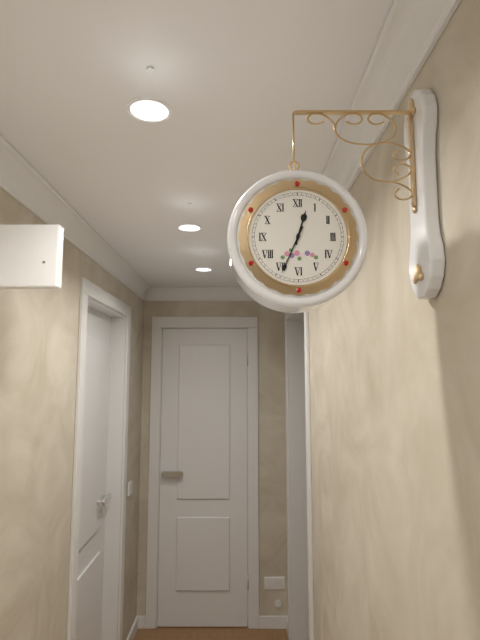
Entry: 12 h 34 min
